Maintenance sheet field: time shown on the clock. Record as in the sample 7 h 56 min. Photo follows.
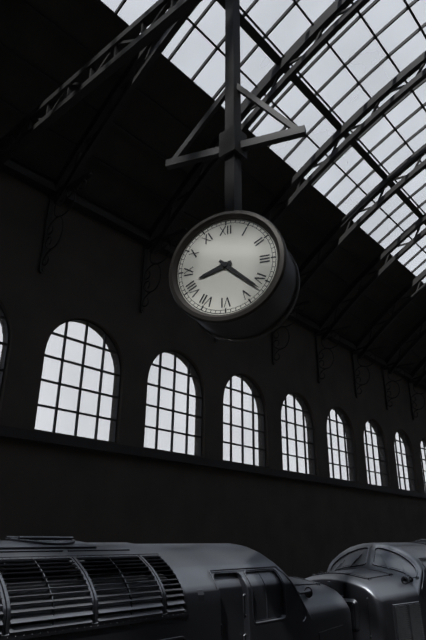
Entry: 8 h 22 min
